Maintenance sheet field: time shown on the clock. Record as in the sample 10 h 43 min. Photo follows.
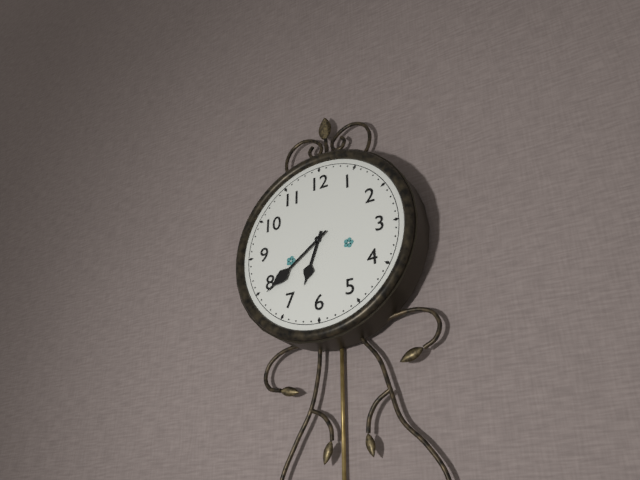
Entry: 6 h 39 min
